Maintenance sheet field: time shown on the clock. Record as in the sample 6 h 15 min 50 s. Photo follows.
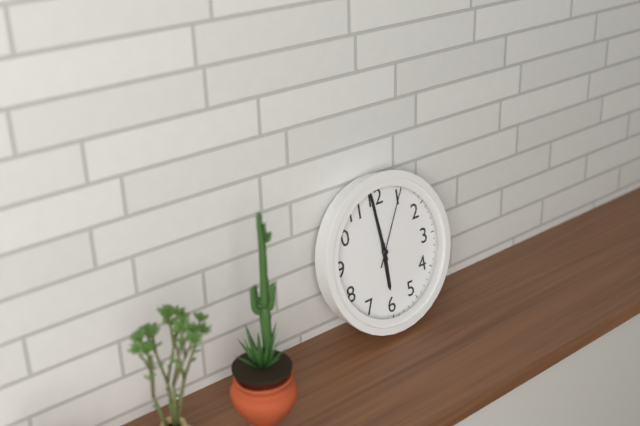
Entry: 5 h 59 min 05 s
